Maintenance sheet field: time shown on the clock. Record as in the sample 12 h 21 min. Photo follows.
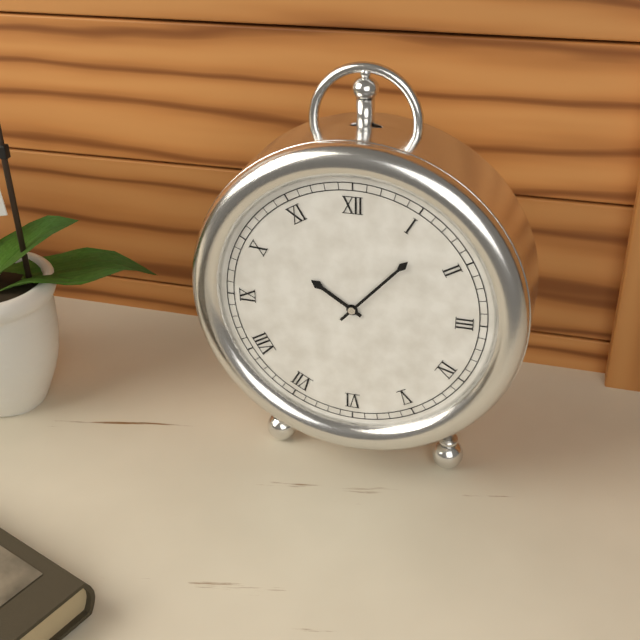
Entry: 10 h 07 min
